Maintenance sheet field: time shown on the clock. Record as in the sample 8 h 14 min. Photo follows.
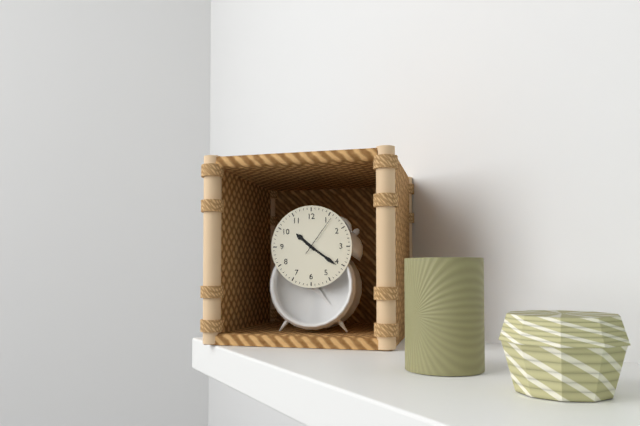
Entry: 10 h 21 min
